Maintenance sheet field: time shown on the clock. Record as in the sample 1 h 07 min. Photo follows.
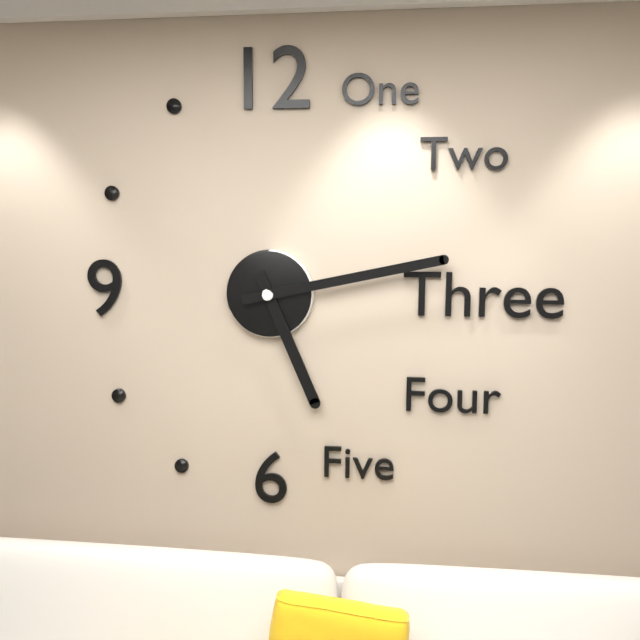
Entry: 5 h 13 min
